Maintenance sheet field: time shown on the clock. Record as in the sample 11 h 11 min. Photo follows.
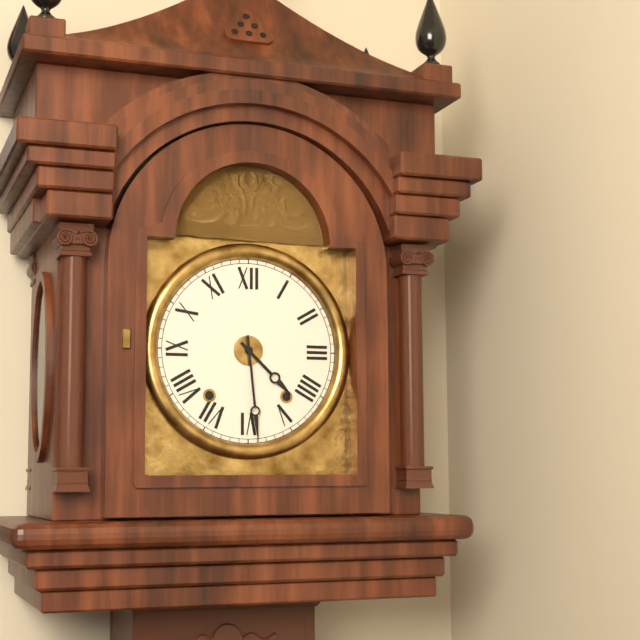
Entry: 4 h 29 min
